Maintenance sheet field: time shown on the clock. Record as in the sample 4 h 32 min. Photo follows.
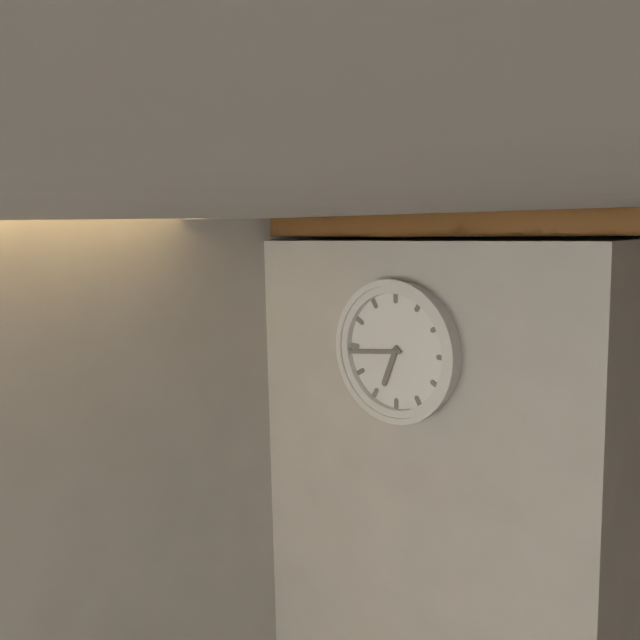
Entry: 6 h 44 min
